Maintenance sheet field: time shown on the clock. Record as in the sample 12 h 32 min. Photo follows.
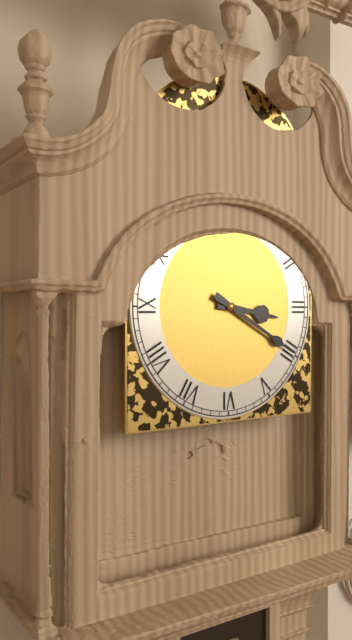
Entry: 3 h 20 min
